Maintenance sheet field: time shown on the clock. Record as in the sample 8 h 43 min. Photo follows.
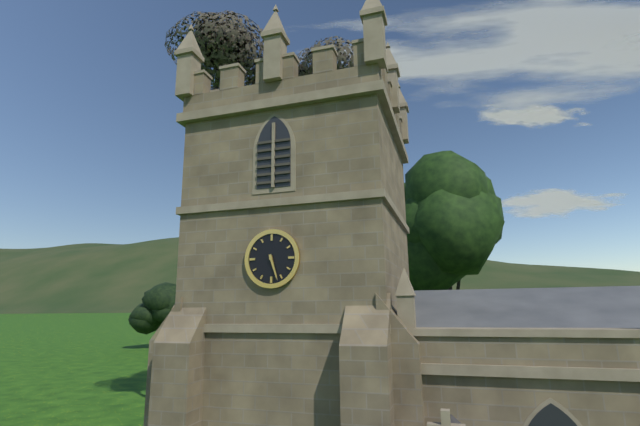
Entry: 5 h 27 min
